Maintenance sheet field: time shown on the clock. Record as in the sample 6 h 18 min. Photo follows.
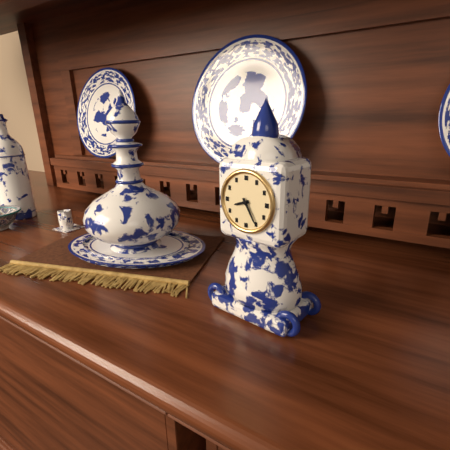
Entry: 8 h 25 min
